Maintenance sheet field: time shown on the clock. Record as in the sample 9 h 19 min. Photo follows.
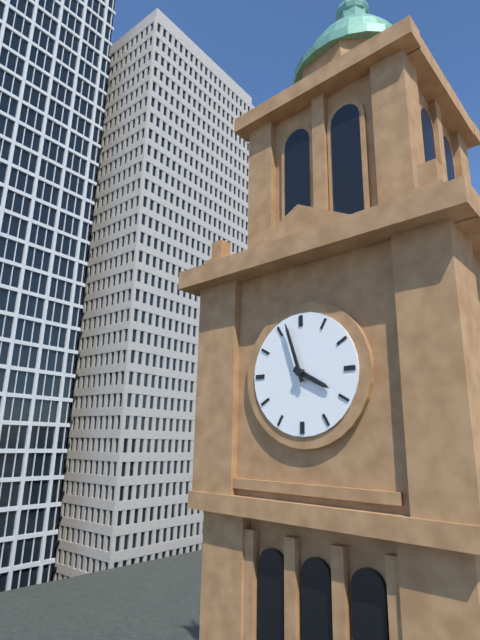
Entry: 3 h 57 min
